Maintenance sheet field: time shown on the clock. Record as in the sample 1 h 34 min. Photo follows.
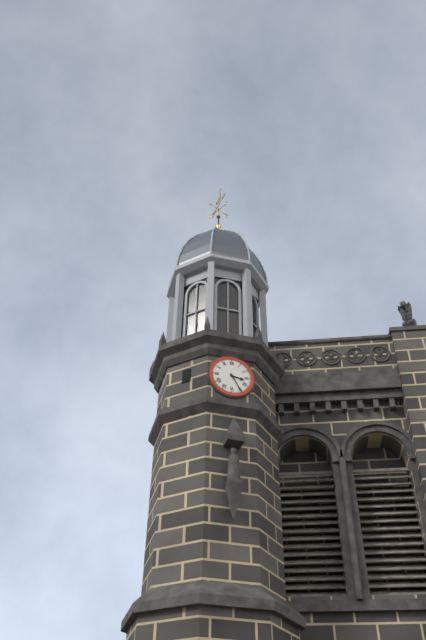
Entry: 3 h 25 min
